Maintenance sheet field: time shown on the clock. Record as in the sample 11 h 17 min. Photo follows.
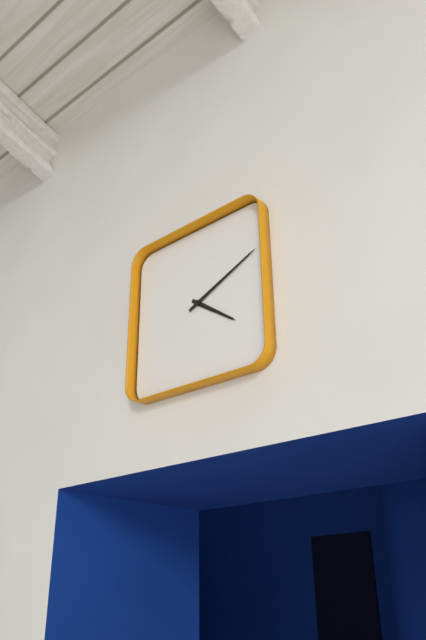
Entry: 4 h 11 min
